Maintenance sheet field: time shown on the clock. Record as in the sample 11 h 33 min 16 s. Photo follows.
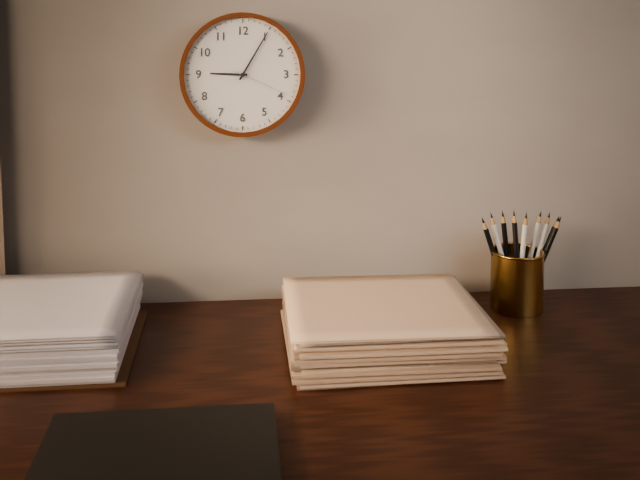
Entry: 9 h 05 min 19 s
